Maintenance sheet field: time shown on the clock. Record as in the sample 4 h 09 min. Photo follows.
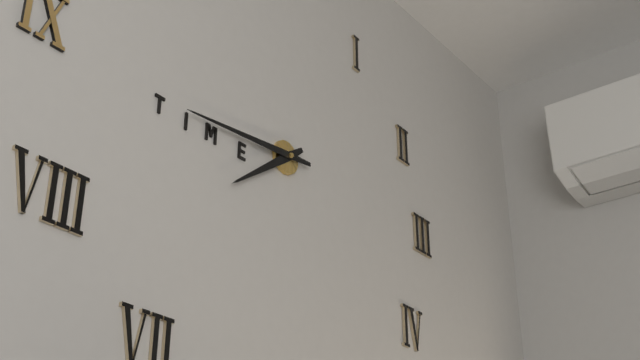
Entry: 7 h 44 min
